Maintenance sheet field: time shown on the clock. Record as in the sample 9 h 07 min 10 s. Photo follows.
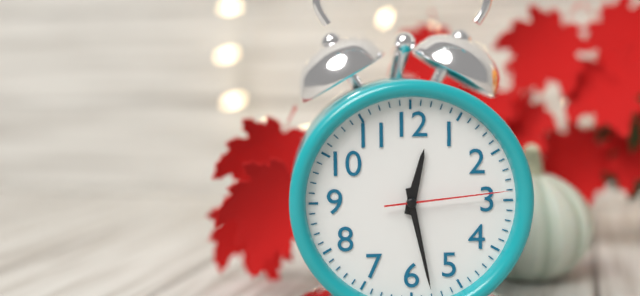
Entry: 12 h 28 min 14 s
